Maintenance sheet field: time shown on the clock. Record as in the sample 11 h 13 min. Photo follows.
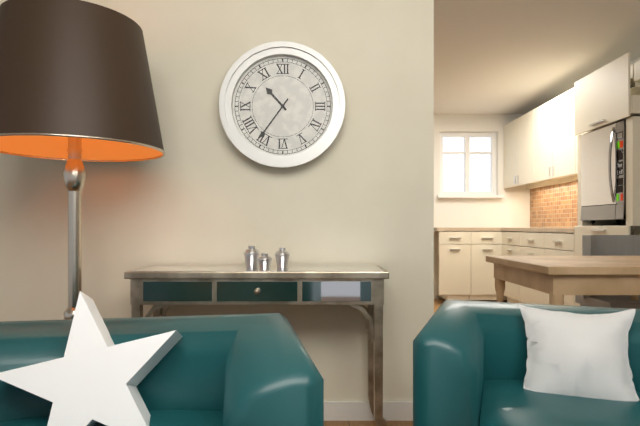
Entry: 10 h 36 min
